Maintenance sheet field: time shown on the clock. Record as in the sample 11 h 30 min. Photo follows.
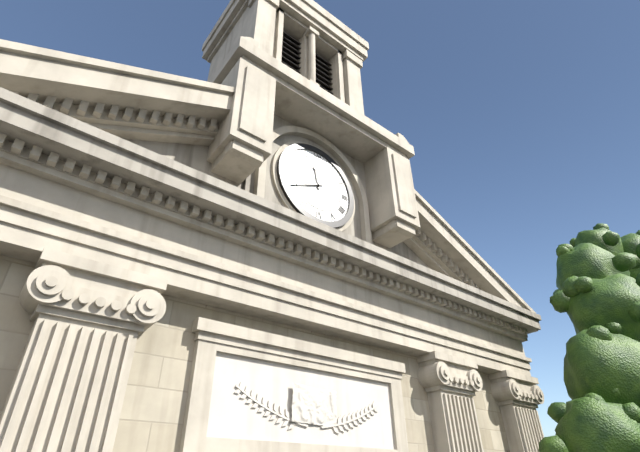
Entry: 11 h 41 min
